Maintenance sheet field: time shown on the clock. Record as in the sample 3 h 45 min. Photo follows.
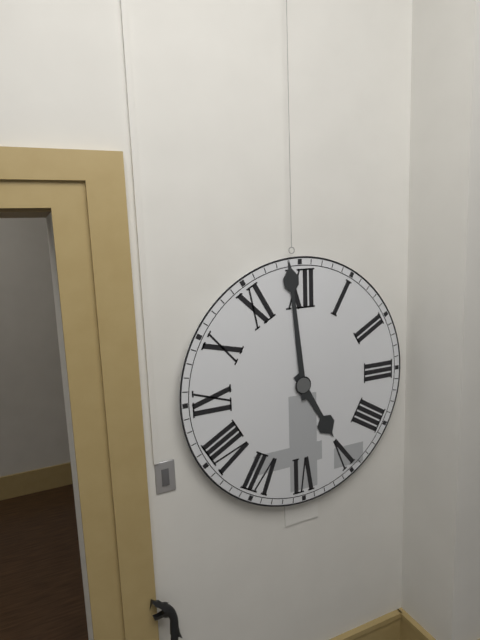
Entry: 4 h 59 min
